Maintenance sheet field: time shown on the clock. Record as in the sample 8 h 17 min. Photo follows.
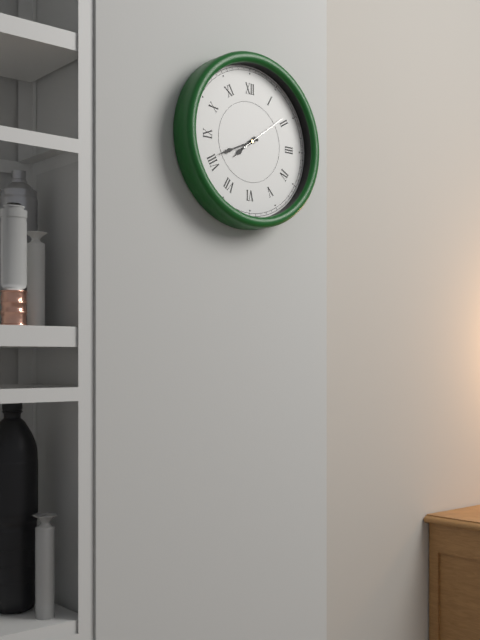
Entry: 7 h 41 min
